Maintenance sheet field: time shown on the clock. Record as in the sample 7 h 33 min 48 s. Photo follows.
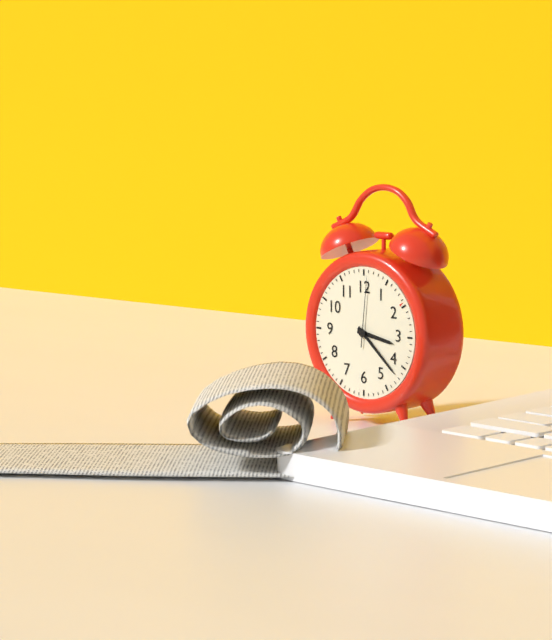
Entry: 3 h 22 min 01 s
